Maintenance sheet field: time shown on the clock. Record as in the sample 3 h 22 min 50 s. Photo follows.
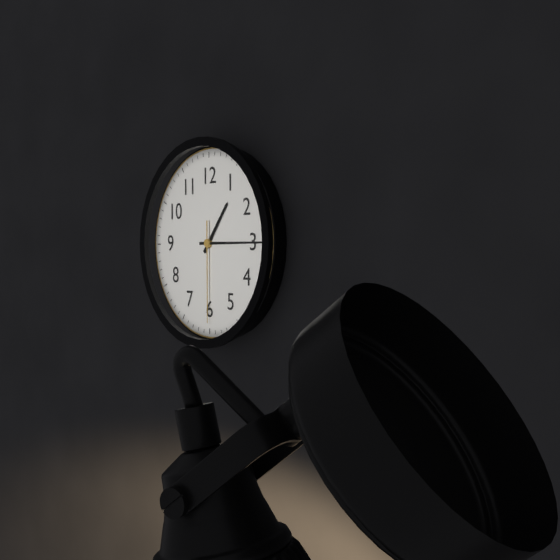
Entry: 1 h 15 min 30 s
